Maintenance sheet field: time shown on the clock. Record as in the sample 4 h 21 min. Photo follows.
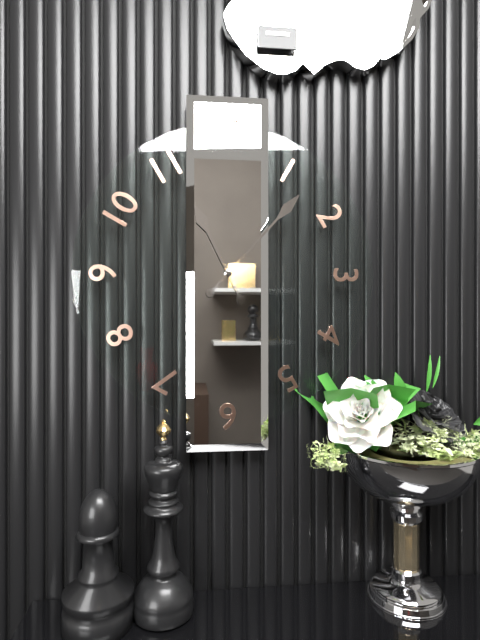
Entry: 11 h 07 min
